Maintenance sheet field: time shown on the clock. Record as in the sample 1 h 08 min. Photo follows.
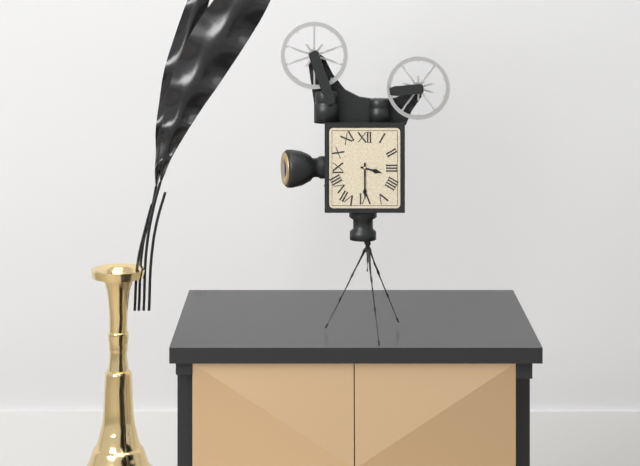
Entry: 3 h 30 min
